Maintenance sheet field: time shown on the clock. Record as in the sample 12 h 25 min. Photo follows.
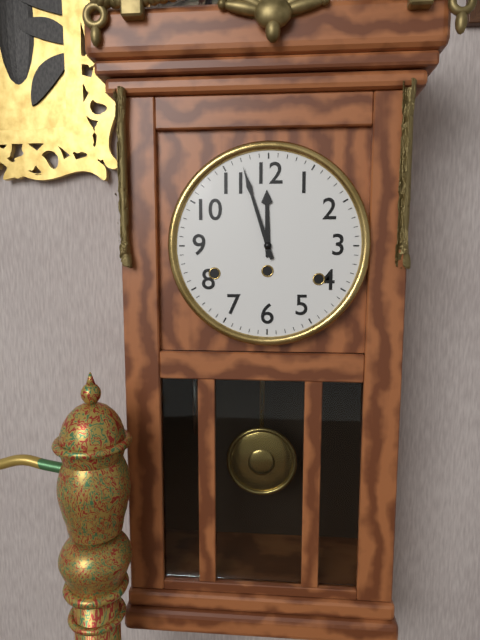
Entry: 11 h 57 min
